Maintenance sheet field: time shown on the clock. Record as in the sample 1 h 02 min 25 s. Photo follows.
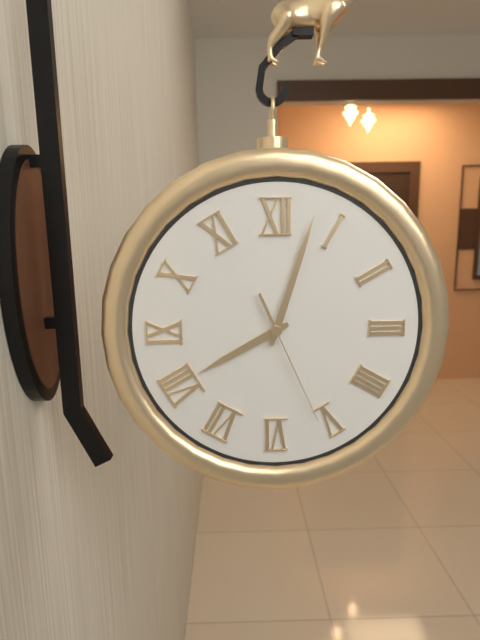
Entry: 8 h 03 min 26 s
